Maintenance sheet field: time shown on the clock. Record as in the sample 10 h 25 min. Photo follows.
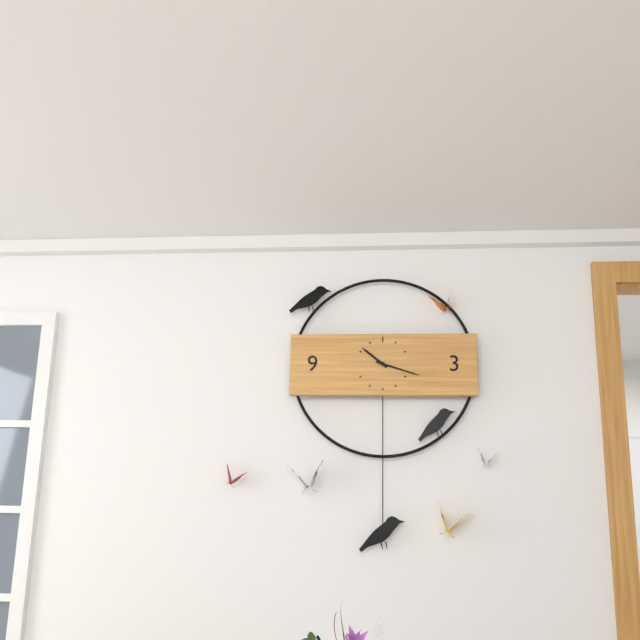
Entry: 10 h 18 min
